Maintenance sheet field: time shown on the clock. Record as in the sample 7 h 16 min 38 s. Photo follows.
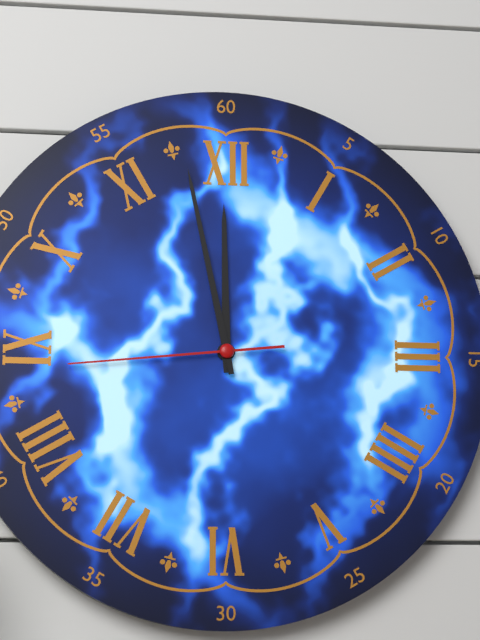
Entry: 11 h 58 min 44 s
